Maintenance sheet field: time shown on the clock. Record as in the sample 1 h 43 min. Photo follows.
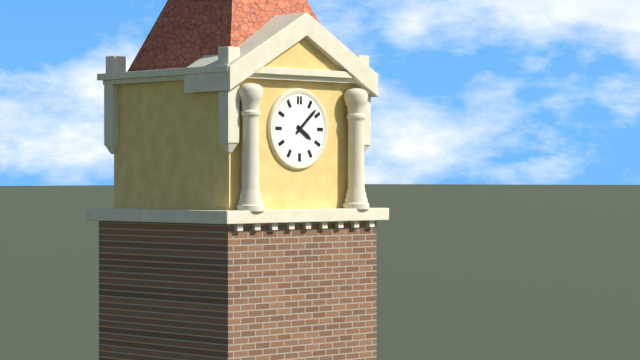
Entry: 4 h 08 min
